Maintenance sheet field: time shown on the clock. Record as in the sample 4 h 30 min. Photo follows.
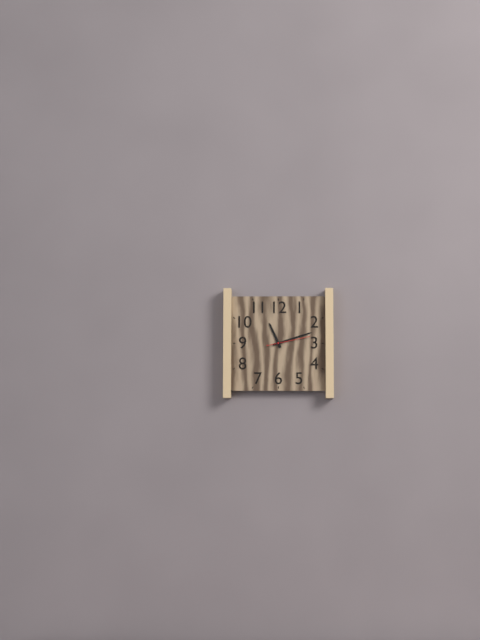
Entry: 11 h 12 min
